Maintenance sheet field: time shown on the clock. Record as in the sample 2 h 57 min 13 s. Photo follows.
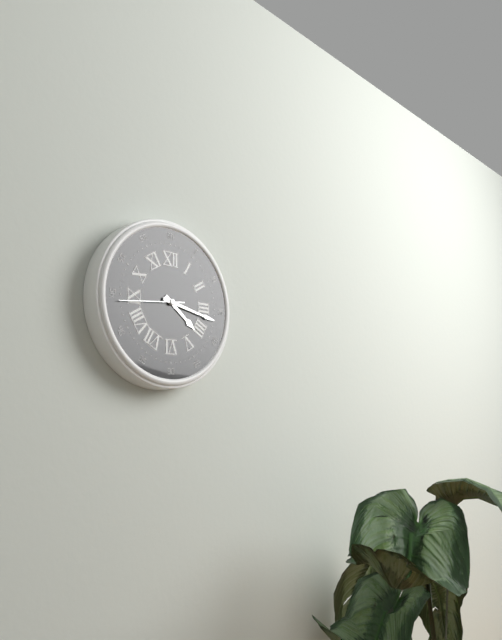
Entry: 4 h 17 min 44 s
